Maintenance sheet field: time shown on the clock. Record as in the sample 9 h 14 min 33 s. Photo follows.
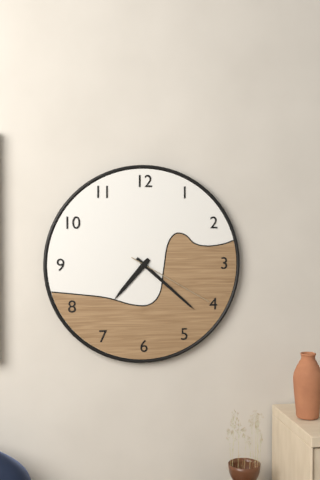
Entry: 7 h 22 min 20 s
